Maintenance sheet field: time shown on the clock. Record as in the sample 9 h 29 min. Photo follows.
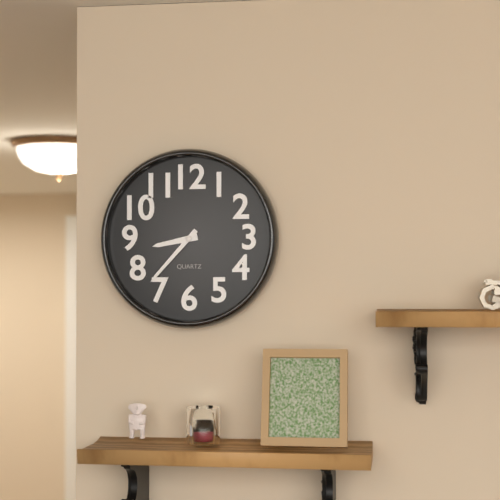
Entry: 8 h 37 min
